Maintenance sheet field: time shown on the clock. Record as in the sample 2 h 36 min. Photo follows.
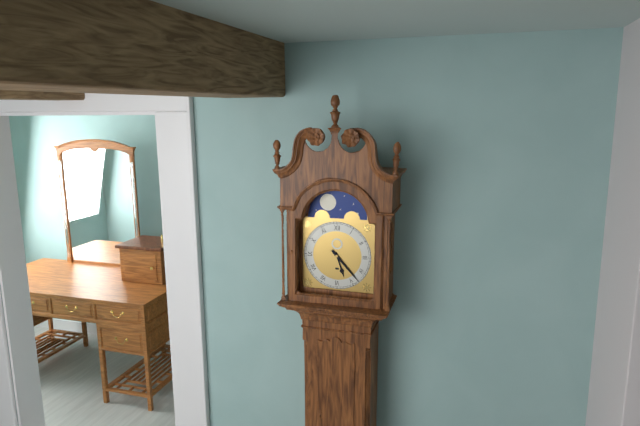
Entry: 5 h 23 min
